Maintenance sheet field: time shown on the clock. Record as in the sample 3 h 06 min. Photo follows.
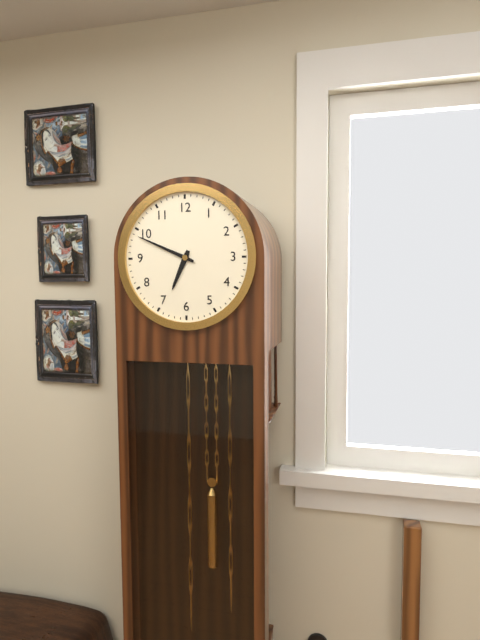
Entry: 6 h 49 min
